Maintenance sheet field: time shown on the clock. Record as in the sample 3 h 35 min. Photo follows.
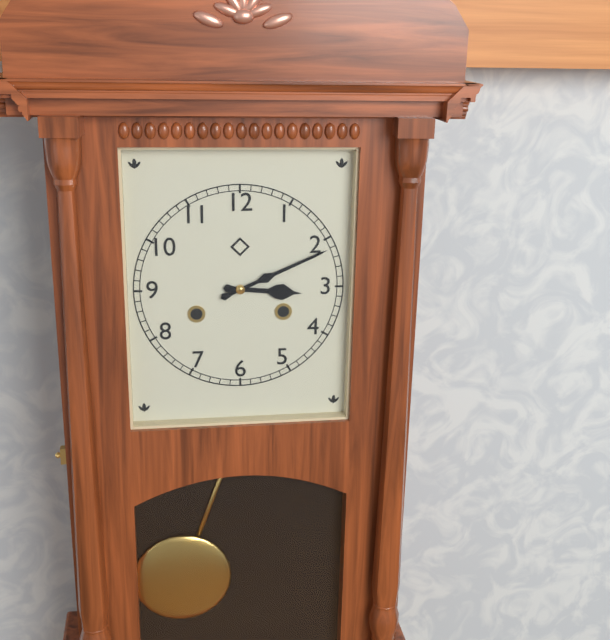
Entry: 3 h 11 min
